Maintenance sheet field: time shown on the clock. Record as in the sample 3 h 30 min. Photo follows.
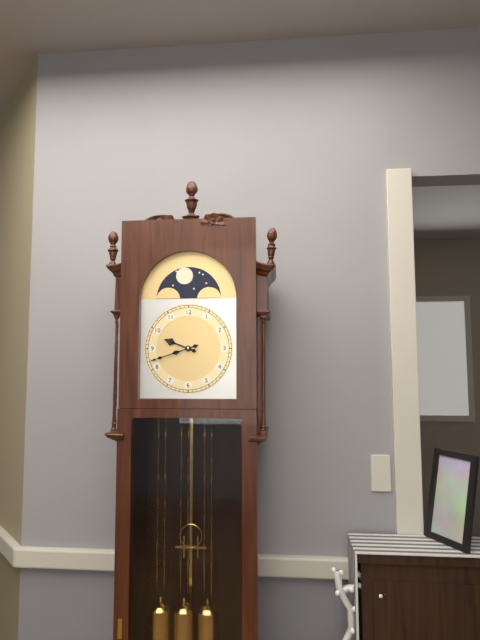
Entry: 9 h 42 min
